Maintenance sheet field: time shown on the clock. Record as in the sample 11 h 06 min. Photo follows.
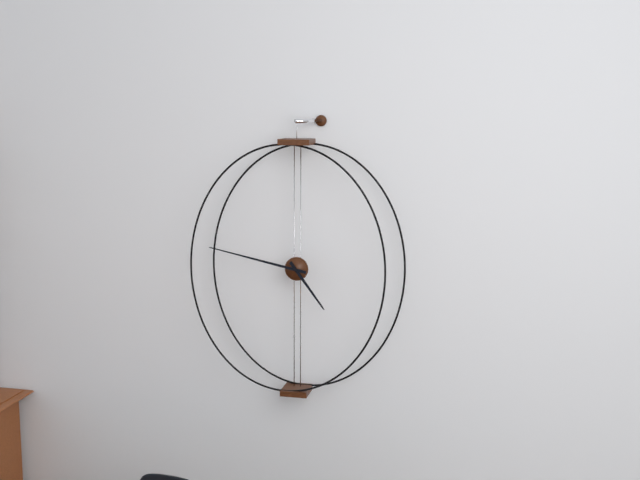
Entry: 4 h 47 min
